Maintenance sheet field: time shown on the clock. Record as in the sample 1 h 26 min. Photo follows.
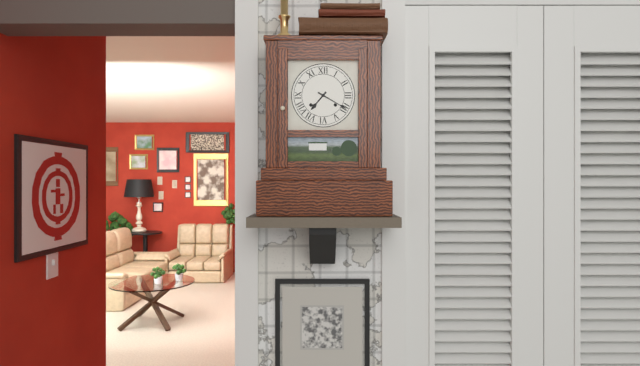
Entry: 7 h 20 min
